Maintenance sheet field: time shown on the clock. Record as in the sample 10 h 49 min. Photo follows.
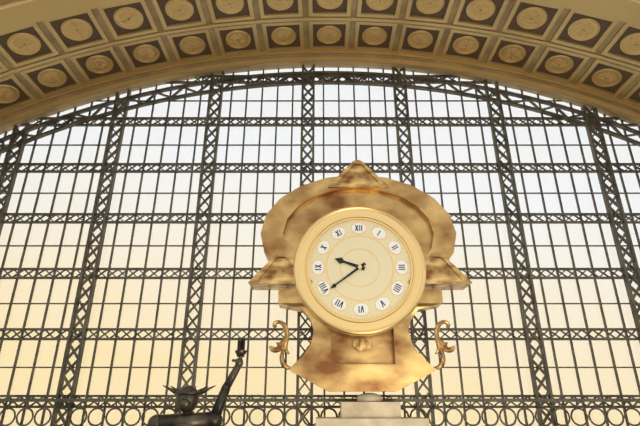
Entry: 9 h 39 min
